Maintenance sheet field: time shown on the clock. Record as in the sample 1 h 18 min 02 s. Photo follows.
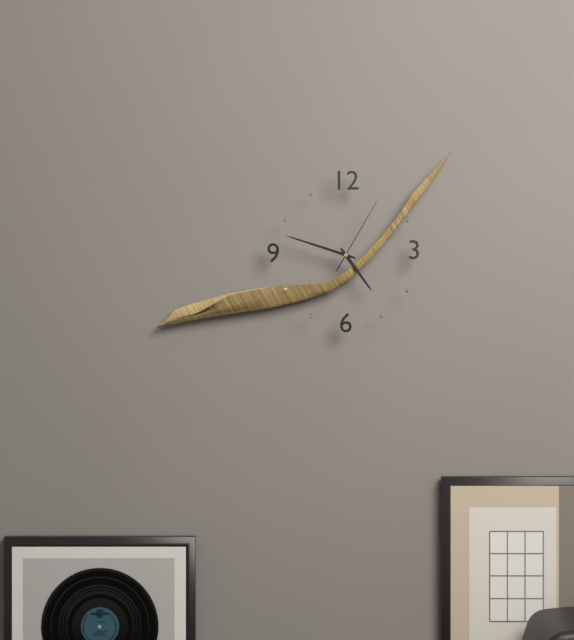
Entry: 4 h 48 min 05 s
